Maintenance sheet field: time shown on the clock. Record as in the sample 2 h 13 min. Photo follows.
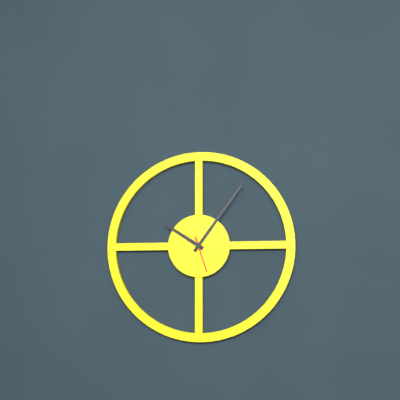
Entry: 10 h 06 min
